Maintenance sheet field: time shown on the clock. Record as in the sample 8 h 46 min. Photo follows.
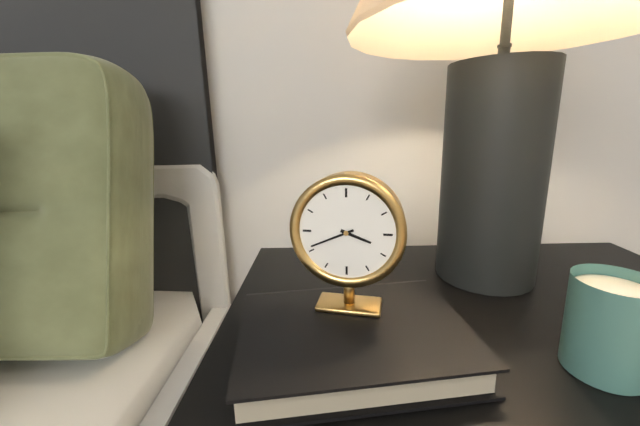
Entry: 3 h 41 min
